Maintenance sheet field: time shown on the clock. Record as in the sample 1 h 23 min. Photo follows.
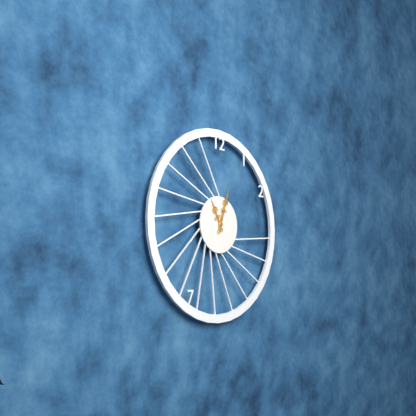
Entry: 11 h 03 min
